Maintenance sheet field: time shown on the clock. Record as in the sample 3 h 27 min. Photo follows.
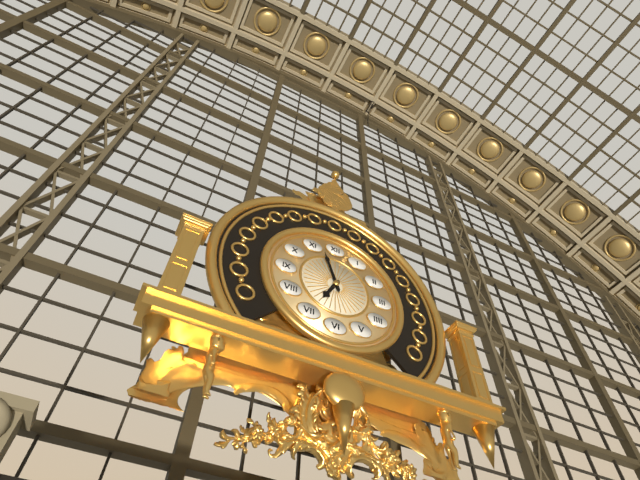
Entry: 6 h 57 min
